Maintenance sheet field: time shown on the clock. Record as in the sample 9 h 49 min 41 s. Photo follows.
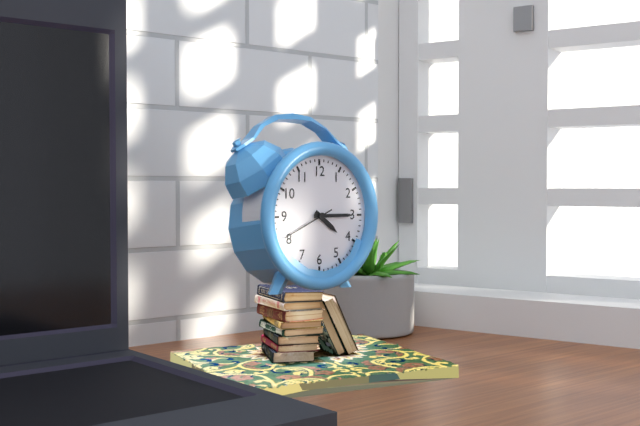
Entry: 4 h 15 min 41 s
